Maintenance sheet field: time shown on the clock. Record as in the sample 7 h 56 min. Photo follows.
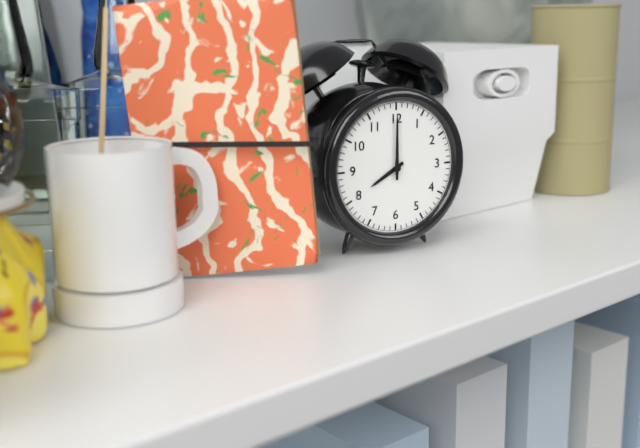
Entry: 8 h 00 min
